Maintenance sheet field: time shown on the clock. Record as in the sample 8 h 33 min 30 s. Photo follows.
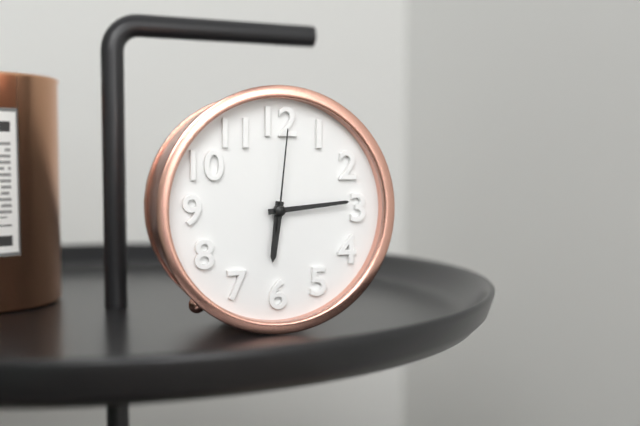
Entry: 6 h 14 min 01 s
